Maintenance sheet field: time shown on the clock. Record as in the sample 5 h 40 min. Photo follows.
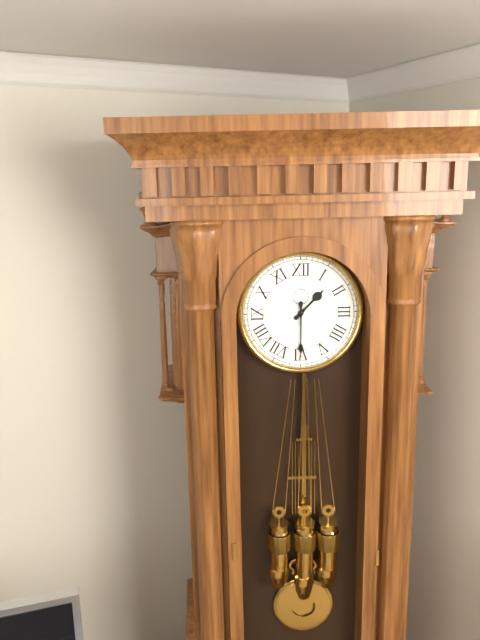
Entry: 1 h 30 min
